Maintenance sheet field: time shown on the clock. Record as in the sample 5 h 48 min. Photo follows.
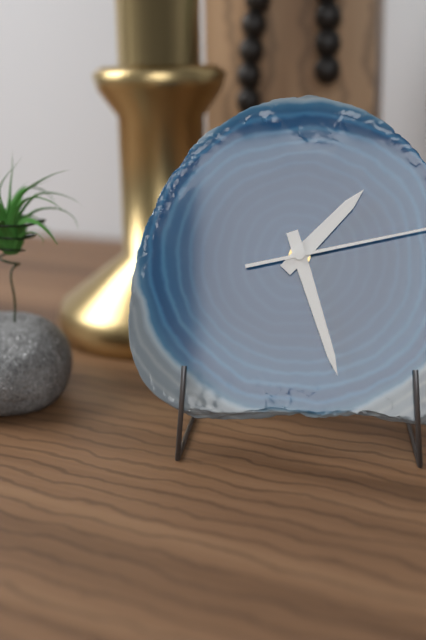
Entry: 1 h 27 min
